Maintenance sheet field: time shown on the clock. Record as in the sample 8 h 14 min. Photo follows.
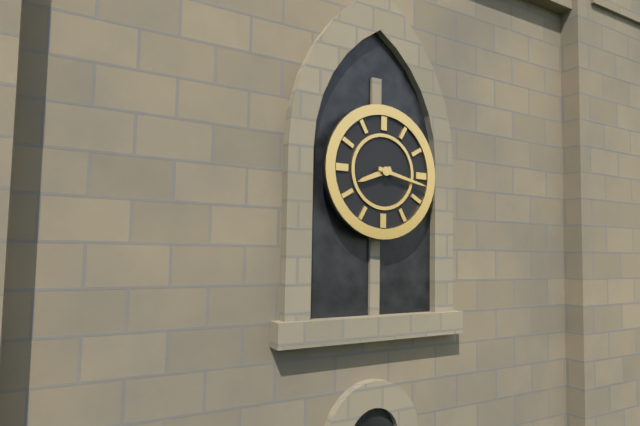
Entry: 8 h 17 min
